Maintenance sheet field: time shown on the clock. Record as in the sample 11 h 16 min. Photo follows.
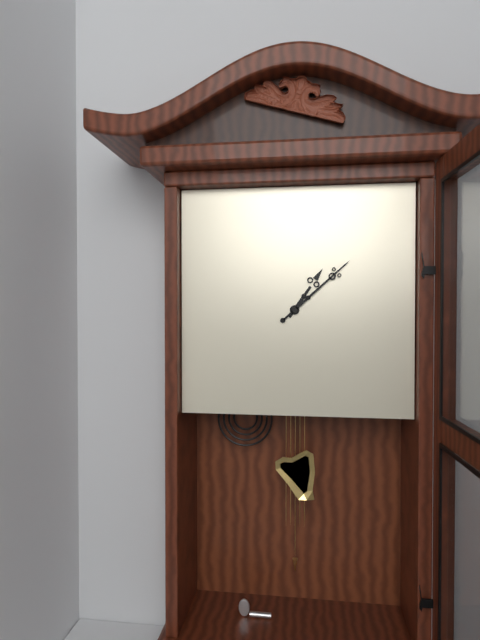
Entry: 1 h 08 min
